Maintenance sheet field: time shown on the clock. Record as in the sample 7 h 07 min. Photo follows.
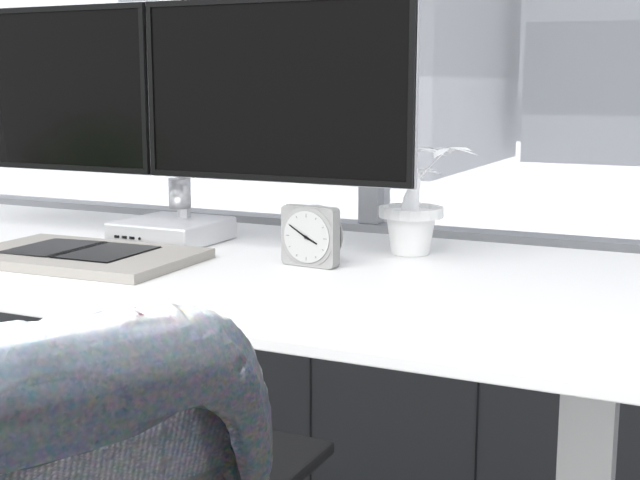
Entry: 3 h 50 min
